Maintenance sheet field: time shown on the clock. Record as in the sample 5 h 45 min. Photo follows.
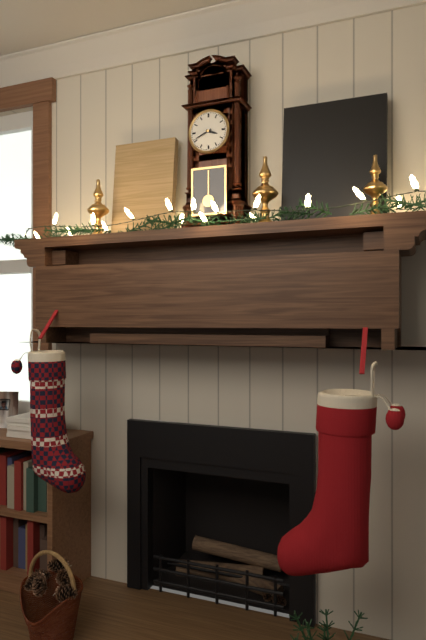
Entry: 3 h 41 min
